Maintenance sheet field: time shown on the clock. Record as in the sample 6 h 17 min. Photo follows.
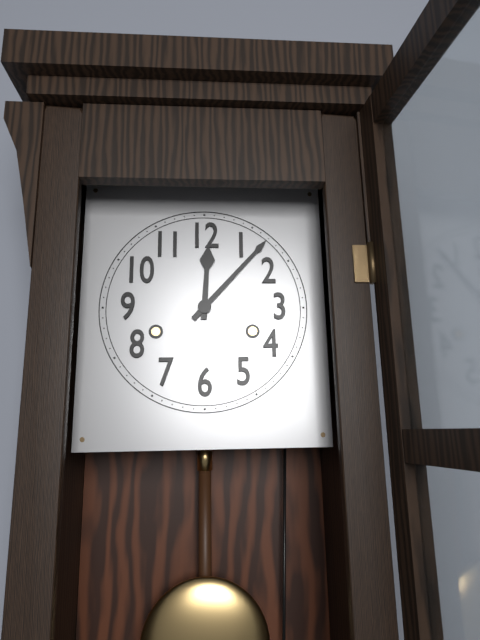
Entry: 12 h 07 min
